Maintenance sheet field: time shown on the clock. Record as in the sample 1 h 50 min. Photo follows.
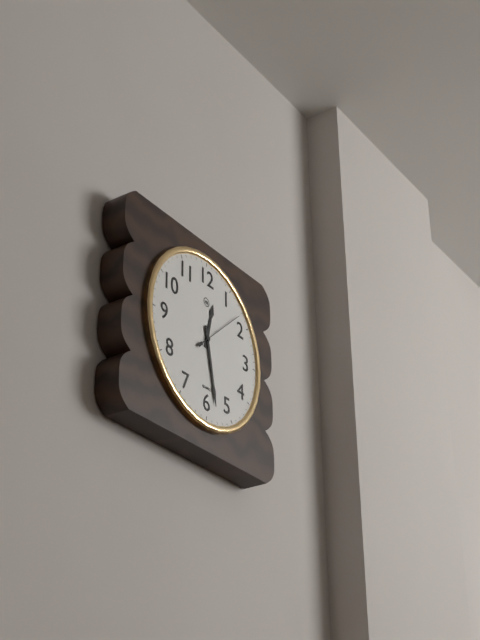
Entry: 12 h 28 min
